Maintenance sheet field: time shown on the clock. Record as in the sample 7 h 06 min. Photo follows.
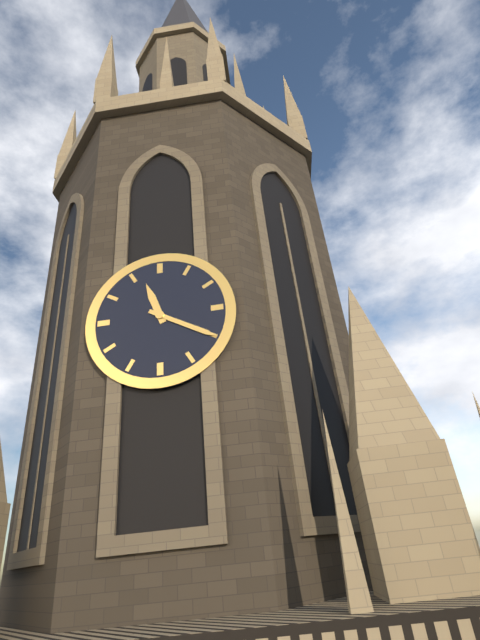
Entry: 11 h 20 min
